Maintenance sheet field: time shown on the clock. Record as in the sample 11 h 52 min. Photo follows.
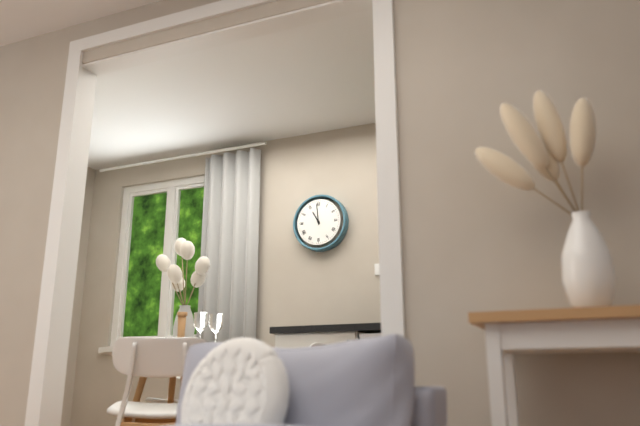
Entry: 10 h 59 min
